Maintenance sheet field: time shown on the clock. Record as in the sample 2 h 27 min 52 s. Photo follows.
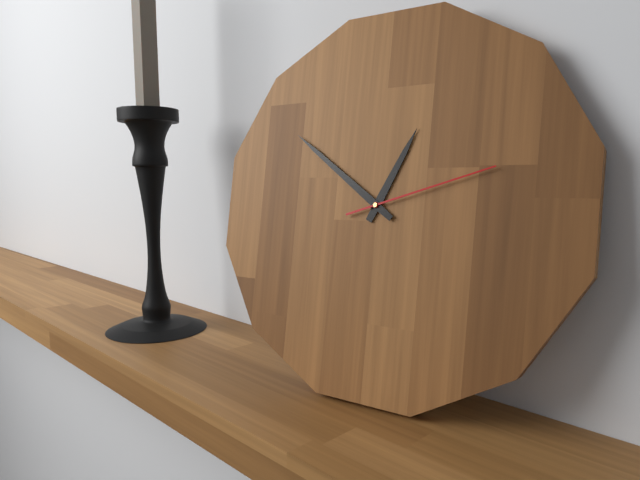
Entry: 12 h 51 min 12 s
